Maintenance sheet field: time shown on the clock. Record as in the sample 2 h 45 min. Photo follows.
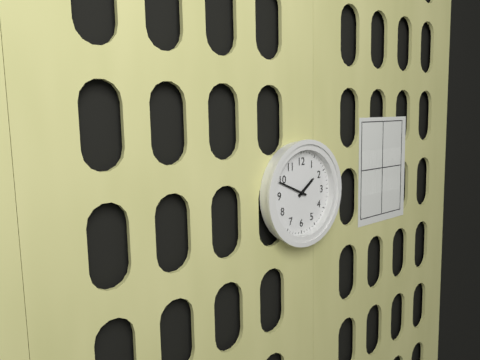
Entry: 1 h 49 min
